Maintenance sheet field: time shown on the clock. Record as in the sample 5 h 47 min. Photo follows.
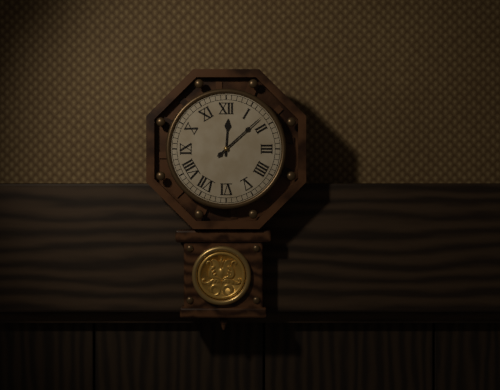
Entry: 12 h 08 min
